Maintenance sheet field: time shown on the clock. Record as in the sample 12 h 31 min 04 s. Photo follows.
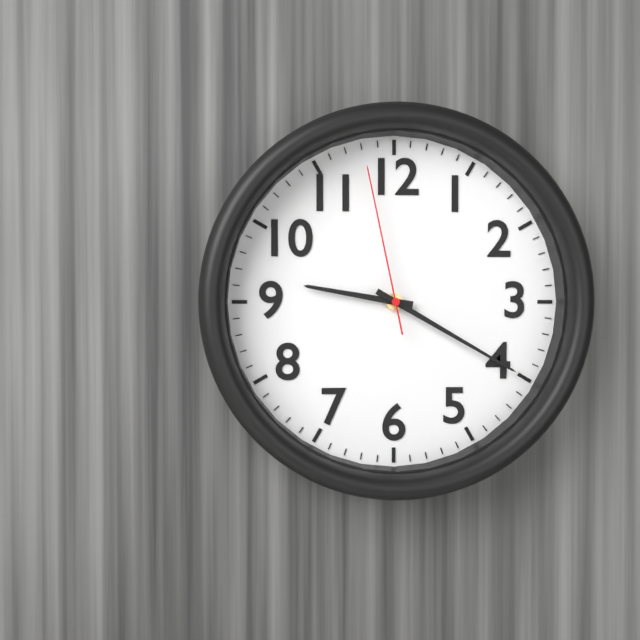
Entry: 9 h 20 min 58 s
